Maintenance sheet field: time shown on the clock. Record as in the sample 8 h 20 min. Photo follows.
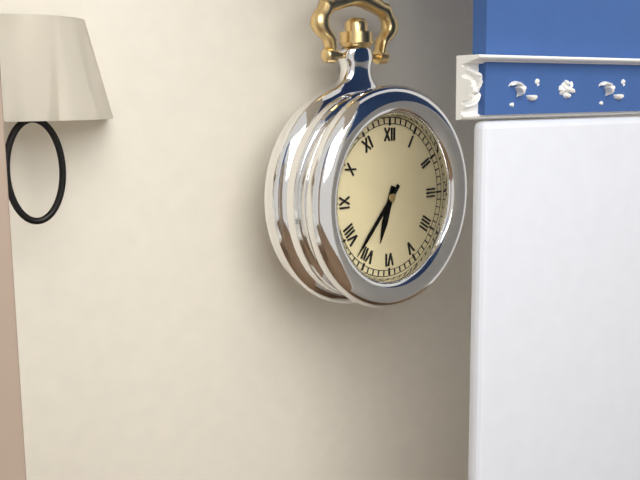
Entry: 6 h 37 min
